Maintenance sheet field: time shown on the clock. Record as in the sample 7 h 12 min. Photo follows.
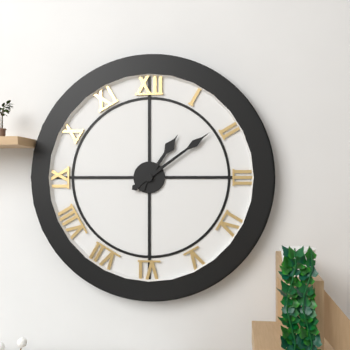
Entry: 1 h 09 min
